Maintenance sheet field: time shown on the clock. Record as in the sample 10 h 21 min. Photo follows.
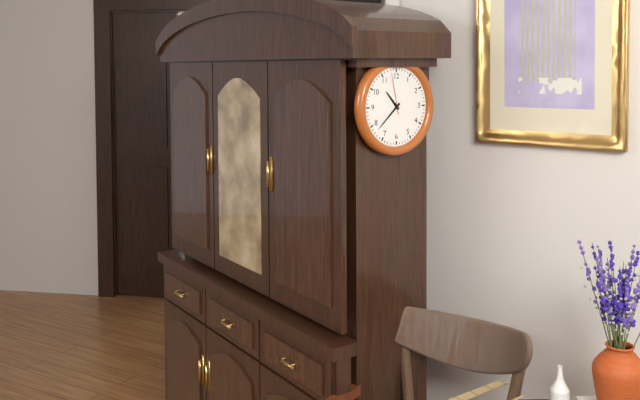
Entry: 10 h 38 min
